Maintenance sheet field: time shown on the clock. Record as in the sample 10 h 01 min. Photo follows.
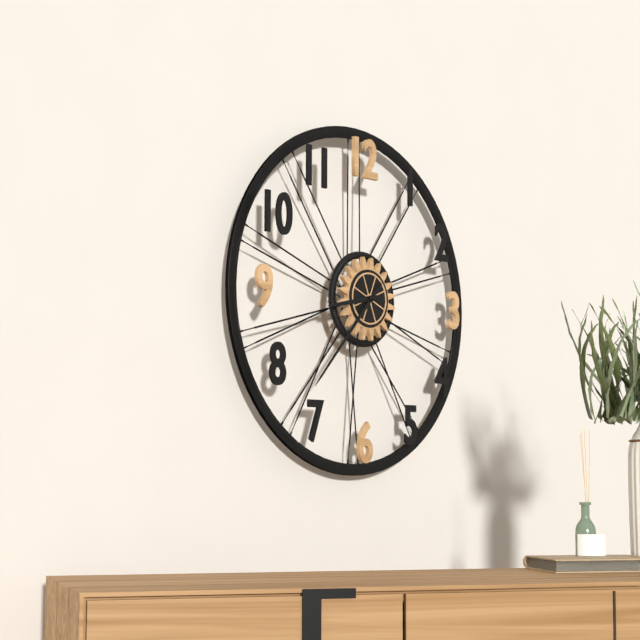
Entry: 8 h 37 min
